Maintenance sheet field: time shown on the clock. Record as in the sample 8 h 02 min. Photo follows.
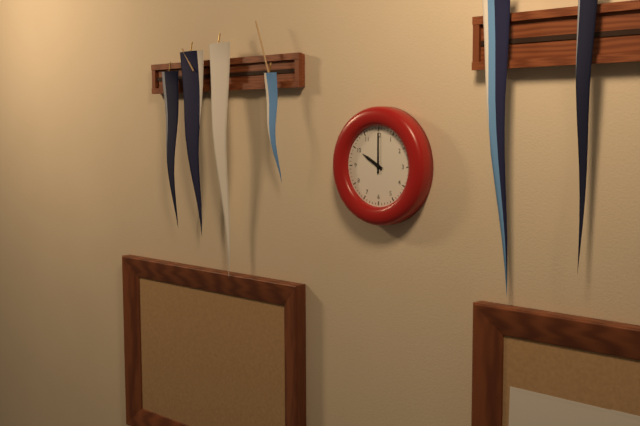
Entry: 10 h 00 min
